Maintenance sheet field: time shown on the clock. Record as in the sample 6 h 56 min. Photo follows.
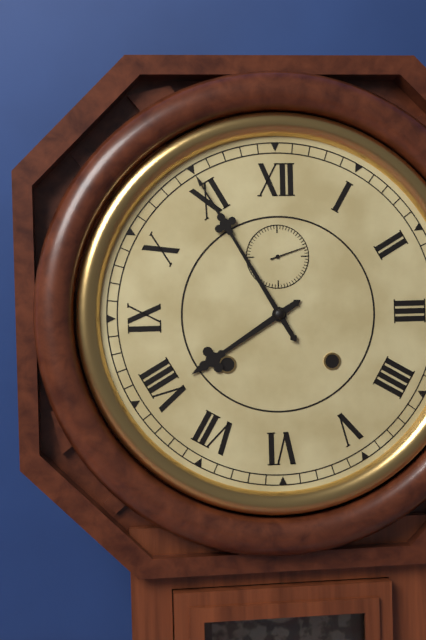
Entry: 7 h 55 min
